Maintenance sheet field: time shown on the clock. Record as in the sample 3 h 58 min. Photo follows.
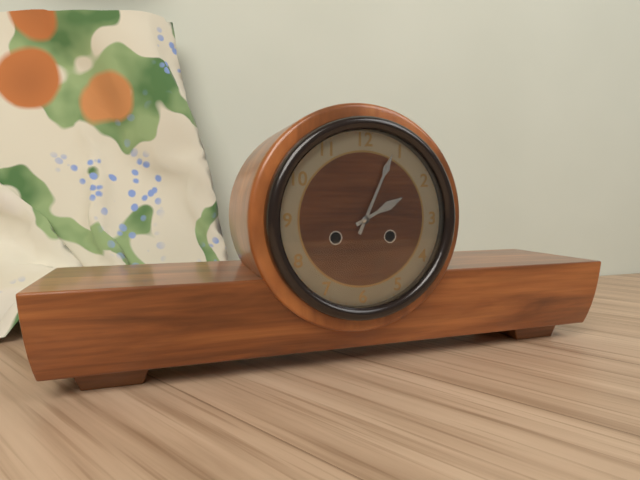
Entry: 2 h 04 min
